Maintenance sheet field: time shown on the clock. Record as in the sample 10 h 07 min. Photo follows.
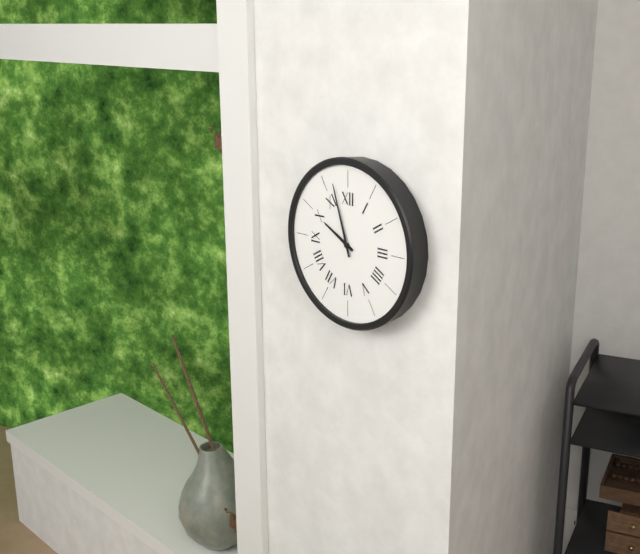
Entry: 9 h 57 min
